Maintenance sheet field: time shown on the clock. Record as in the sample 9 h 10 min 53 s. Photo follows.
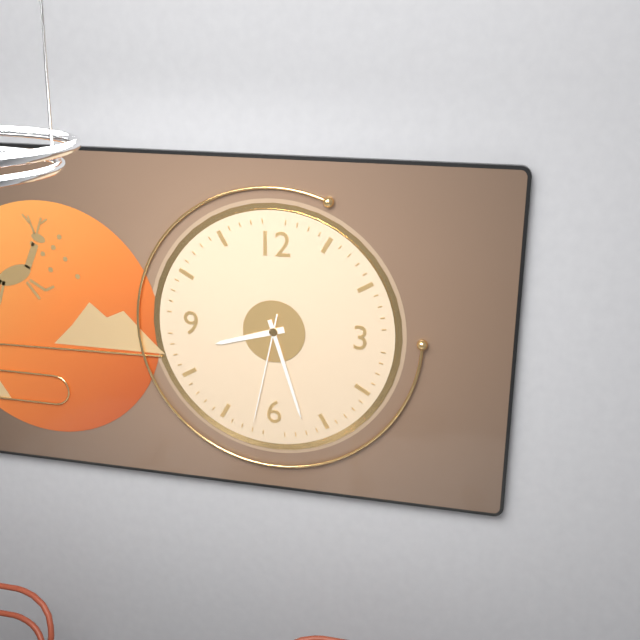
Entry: 8 h 27 min 32 s
